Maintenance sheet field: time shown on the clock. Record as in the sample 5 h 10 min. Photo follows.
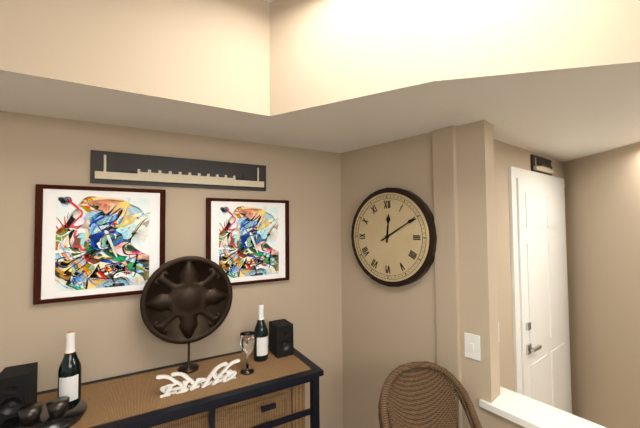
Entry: 12 h 10 min
